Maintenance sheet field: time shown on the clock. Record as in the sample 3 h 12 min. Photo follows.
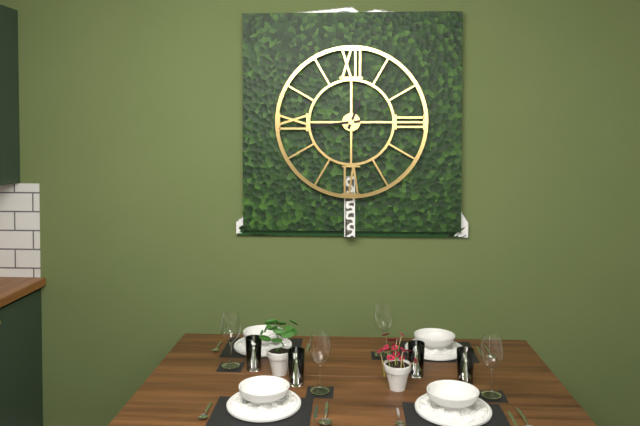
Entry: 12 h 44 min
